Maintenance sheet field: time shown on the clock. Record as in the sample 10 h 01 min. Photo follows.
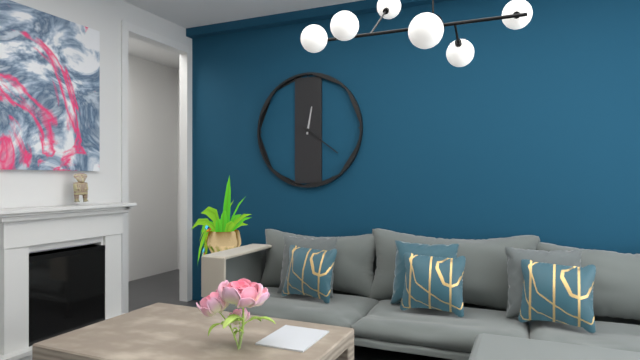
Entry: 12 h 21 min
